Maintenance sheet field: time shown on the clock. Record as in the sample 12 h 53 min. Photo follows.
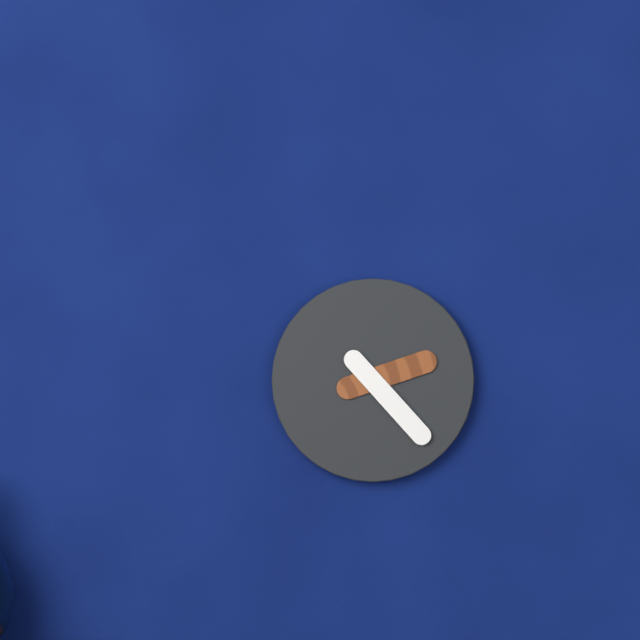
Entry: 2 h 23 min
